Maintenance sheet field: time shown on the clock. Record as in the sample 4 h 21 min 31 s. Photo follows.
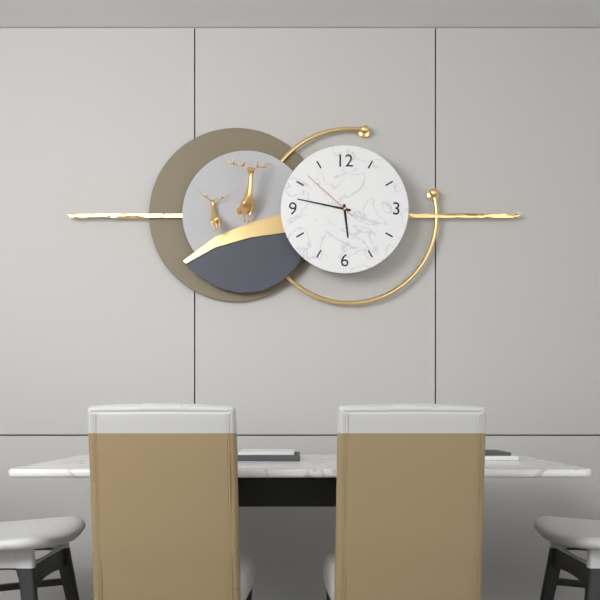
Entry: 5 h 47 min 52 s
